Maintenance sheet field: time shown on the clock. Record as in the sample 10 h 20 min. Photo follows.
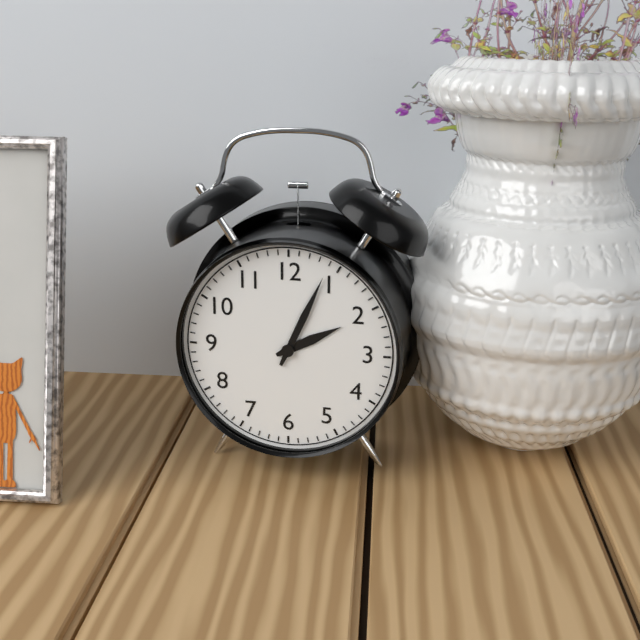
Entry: 2 h 04 min
